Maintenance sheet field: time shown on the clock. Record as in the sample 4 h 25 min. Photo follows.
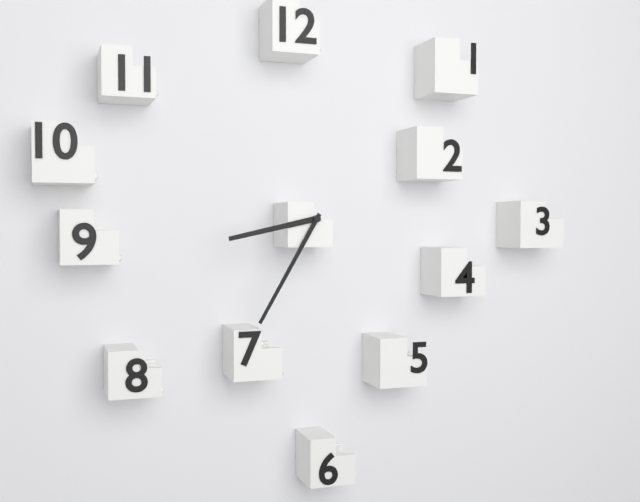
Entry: 8 h 35 min
